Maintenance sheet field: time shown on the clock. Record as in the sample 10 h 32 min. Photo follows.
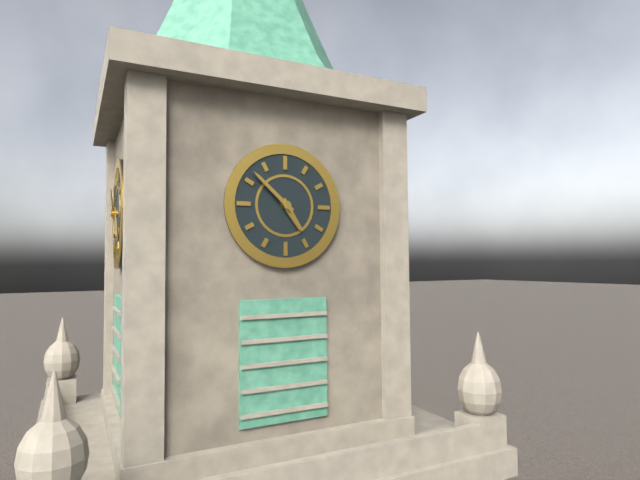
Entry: 4 h 52 min
